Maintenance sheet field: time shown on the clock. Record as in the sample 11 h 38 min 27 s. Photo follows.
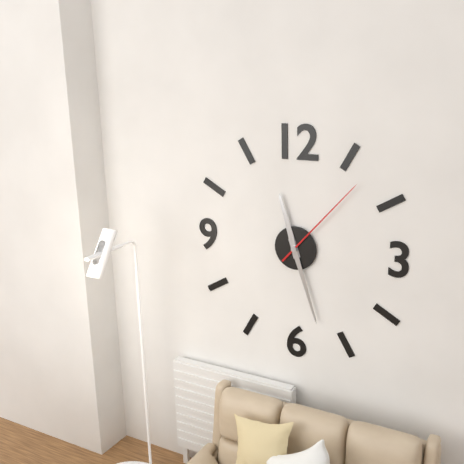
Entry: 11 h 27 min 07 s
